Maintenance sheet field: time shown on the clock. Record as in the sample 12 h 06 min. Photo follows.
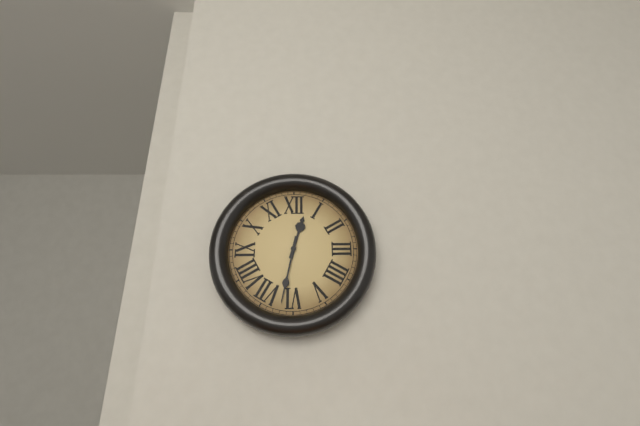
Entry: 12 h 32 min
